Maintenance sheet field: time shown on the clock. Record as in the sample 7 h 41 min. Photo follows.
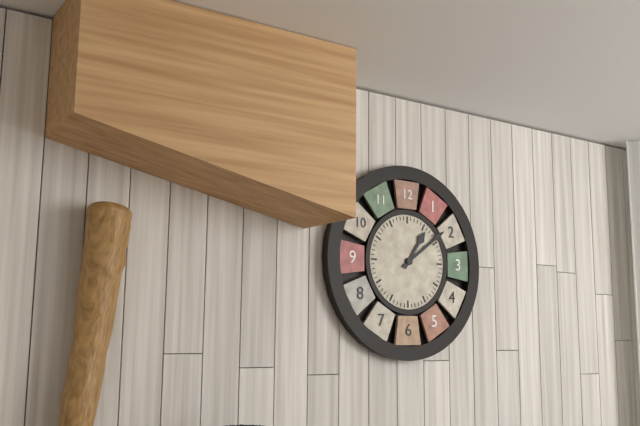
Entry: 1 h 09 min
